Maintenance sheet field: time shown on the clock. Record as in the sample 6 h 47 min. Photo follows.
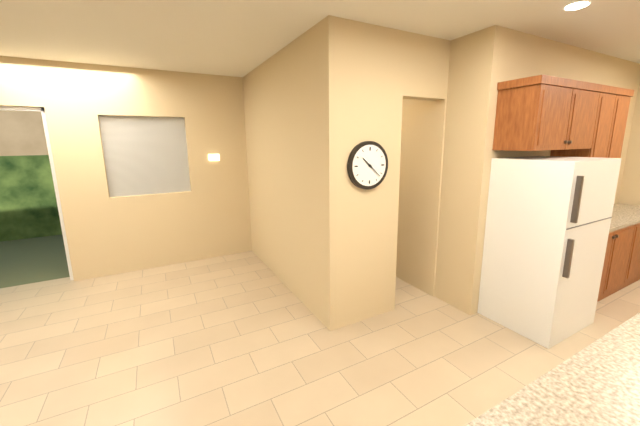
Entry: 10 h 22 min
